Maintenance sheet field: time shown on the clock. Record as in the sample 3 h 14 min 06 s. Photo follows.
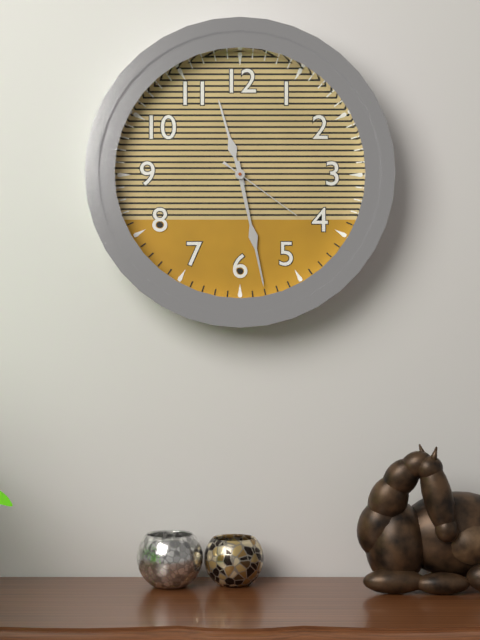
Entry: 11 h 28 min 21 s
